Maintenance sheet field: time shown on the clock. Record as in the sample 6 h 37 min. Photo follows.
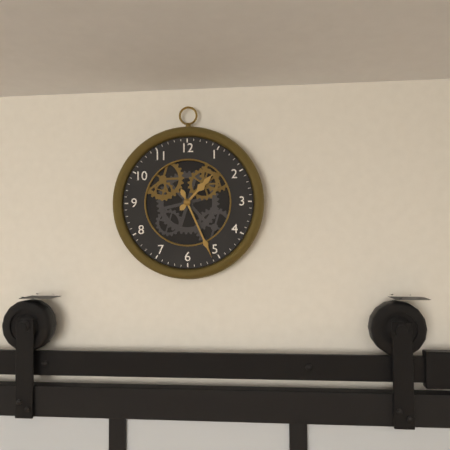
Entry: 1 h 26 min
